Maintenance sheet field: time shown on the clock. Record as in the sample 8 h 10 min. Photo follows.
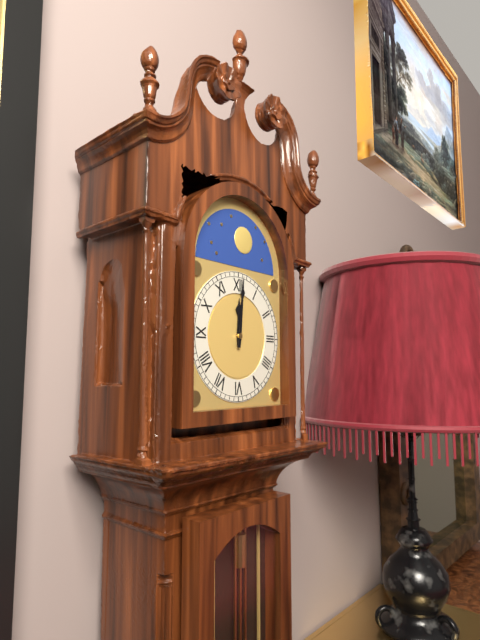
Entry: 12 h 01 min
